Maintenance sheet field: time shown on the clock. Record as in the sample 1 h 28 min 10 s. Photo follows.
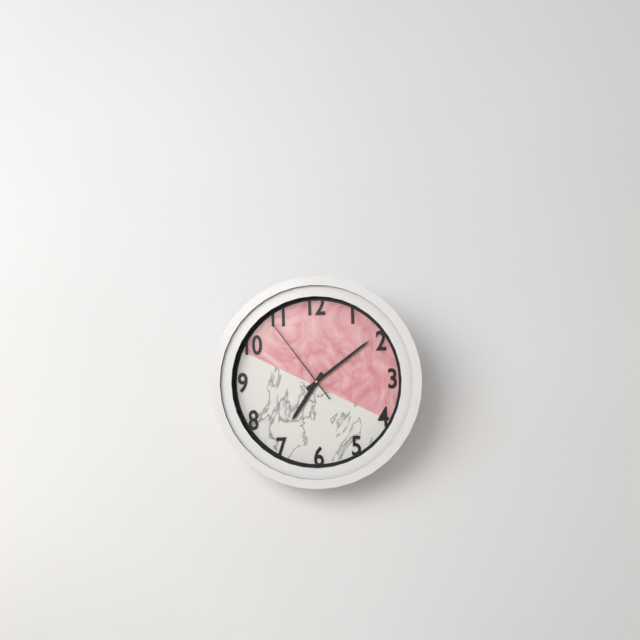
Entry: 7 h 09 min 54 s
